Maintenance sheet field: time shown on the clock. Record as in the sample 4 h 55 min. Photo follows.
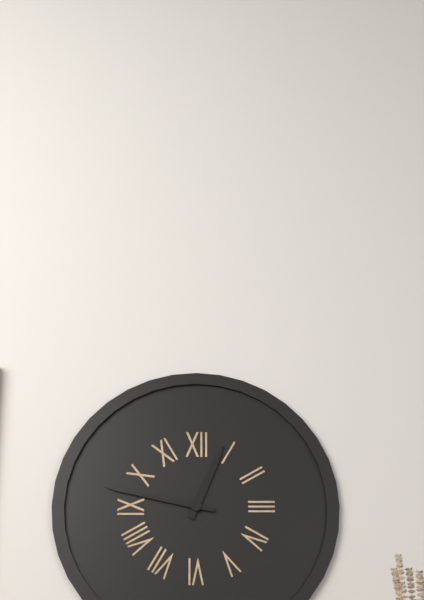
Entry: 12 h 47 min
